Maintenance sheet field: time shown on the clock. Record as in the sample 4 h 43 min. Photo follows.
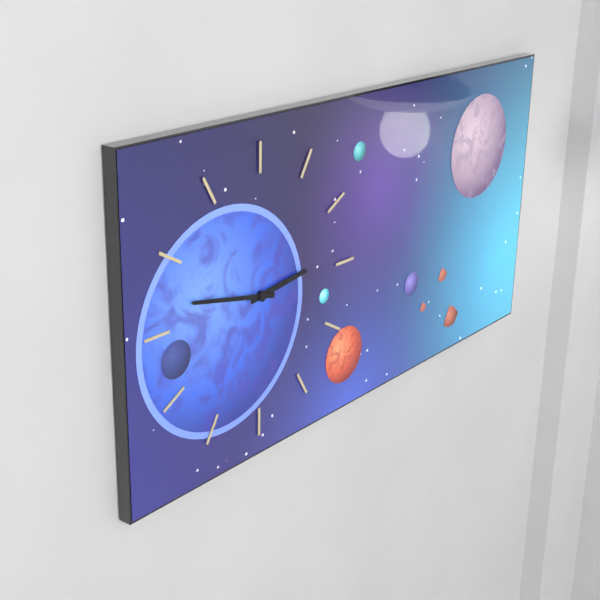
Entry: 2 h 47 min
